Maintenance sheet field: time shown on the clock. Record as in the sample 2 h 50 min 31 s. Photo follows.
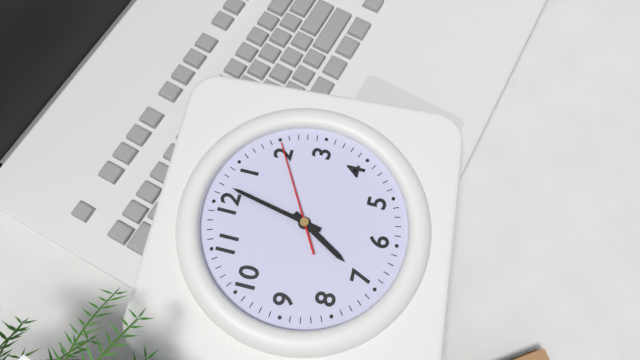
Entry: 7 h 02 min 10 s
